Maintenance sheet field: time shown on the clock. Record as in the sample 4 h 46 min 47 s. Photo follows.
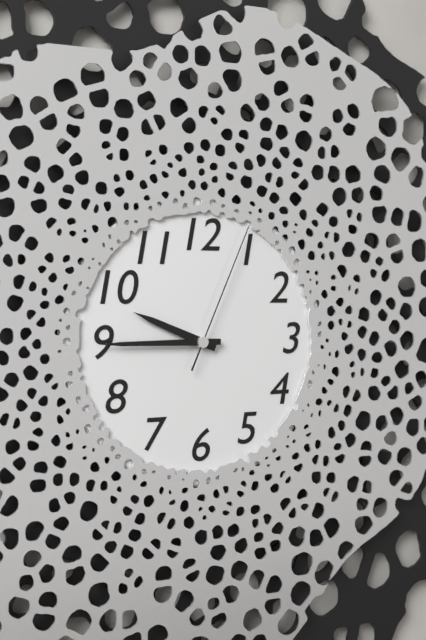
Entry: 9 h 45 min 04 s
